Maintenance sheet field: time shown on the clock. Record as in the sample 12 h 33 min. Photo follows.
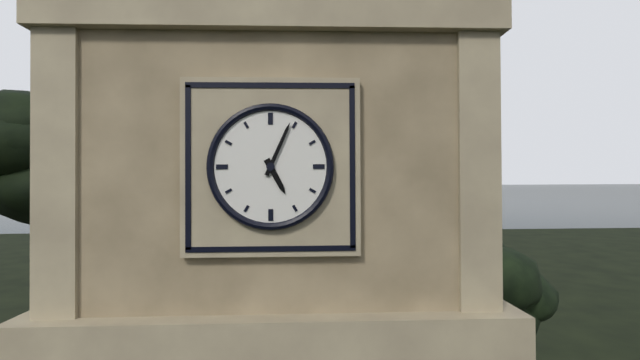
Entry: 5 h 04 min
